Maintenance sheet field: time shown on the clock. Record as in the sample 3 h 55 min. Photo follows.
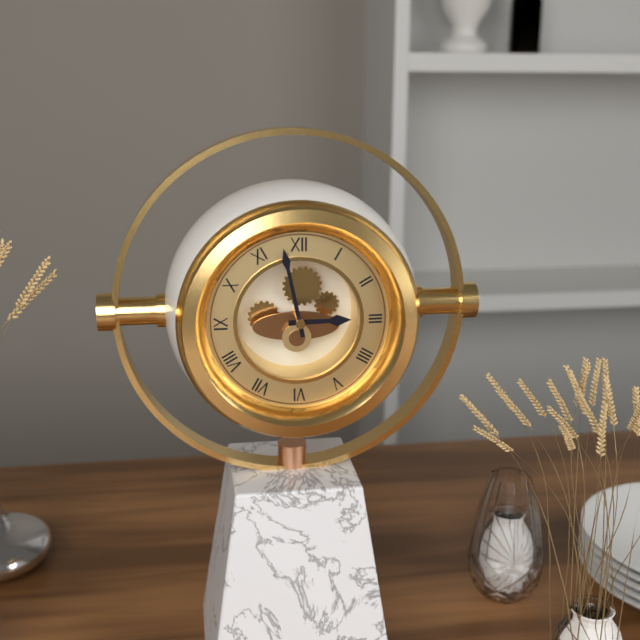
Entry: 2 h 58 min
